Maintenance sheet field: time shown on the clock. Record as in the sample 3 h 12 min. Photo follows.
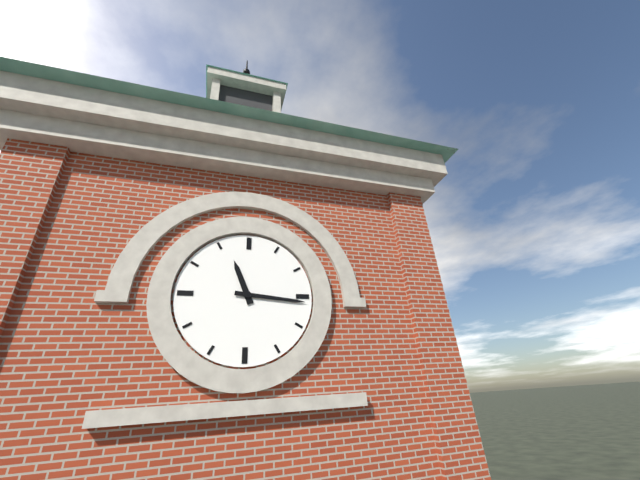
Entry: 11 h 16 min
